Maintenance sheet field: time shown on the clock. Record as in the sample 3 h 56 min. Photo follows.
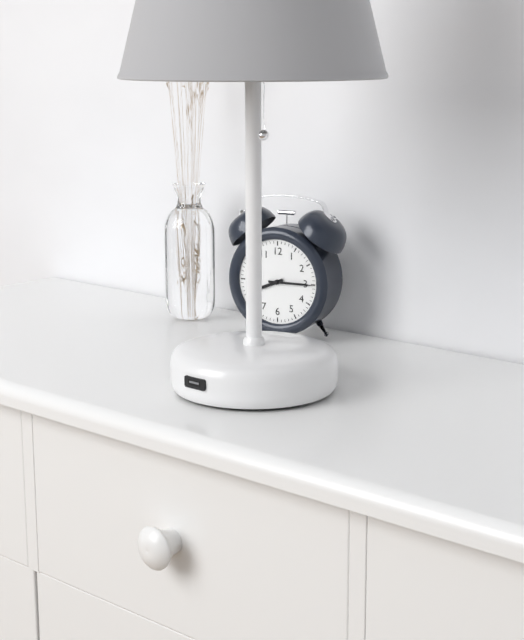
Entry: 8 h 15 min
